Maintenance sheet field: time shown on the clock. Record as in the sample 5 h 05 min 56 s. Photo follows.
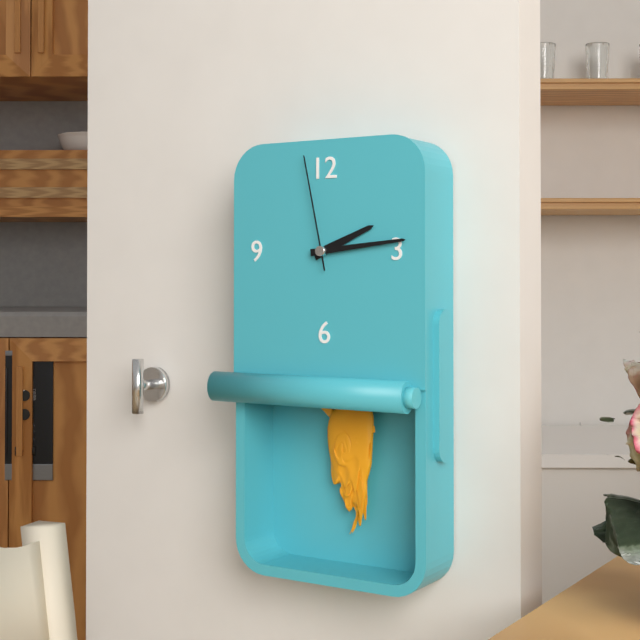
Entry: 2 h 14 min 58 s
